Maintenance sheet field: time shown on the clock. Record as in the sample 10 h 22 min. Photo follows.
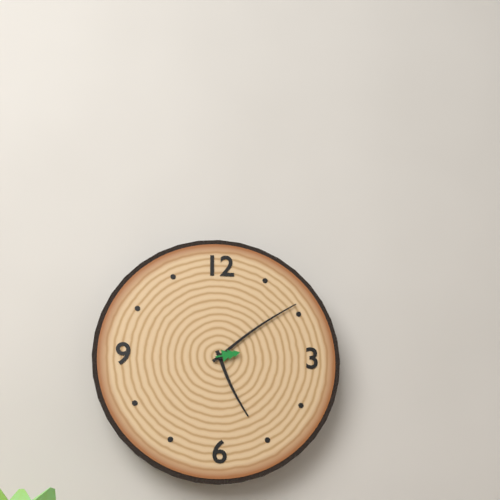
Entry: 5 h 09 min
